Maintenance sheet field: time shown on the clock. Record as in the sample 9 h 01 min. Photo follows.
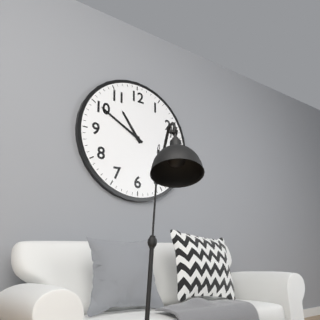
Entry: 10 h 50 min
